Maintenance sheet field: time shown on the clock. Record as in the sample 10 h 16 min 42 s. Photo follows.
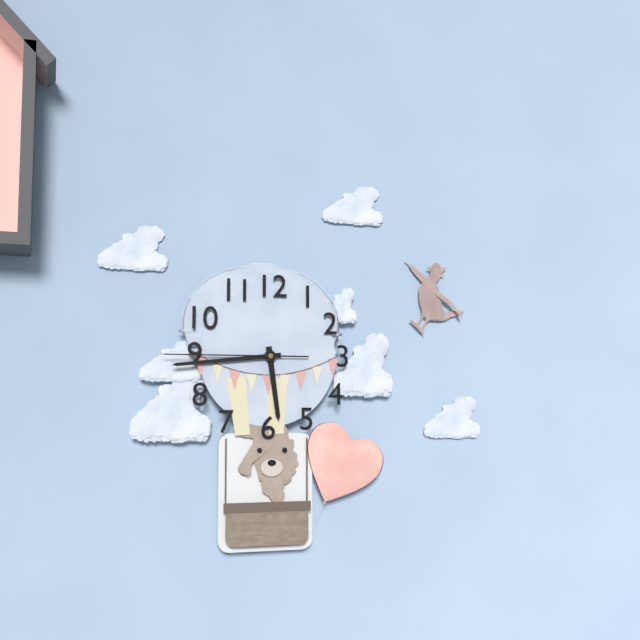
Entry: 5 h 44 min 45 s
